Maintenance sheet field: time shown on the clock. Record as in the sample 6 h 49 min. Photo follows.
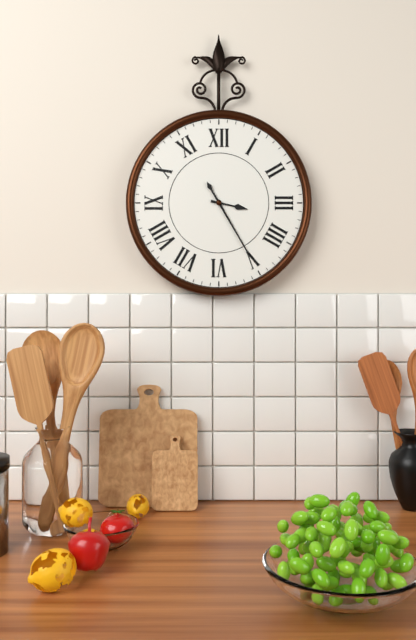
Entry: 3 h 25 min
